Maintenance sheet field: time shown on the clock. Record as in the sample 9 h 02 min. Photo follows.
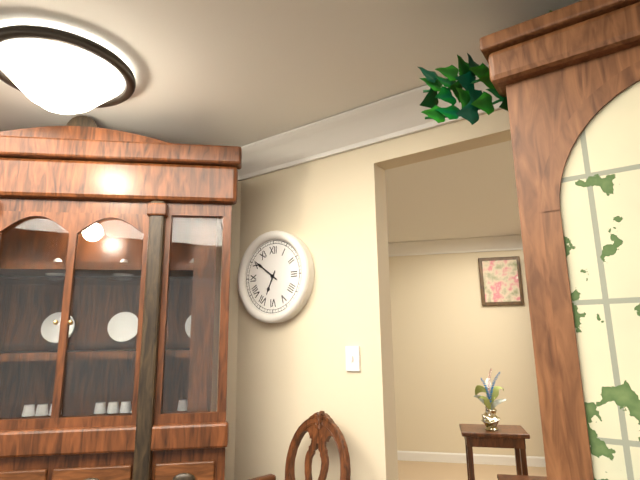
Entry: 6 h 51 min
